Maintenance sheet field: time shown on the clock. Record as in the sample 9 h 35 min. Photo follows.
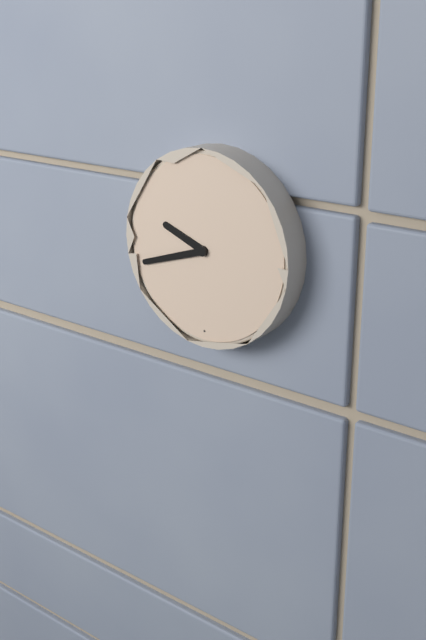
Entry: 9 h 42 min
